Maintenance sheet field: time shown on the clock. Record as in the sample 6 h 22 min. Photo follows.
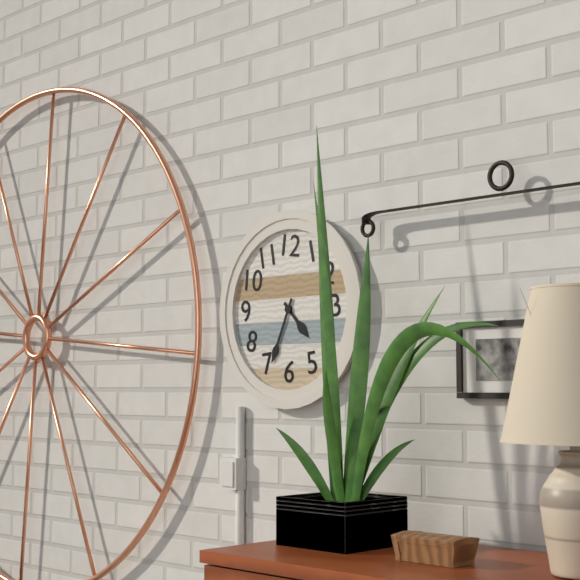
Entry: 4 h 34 min
